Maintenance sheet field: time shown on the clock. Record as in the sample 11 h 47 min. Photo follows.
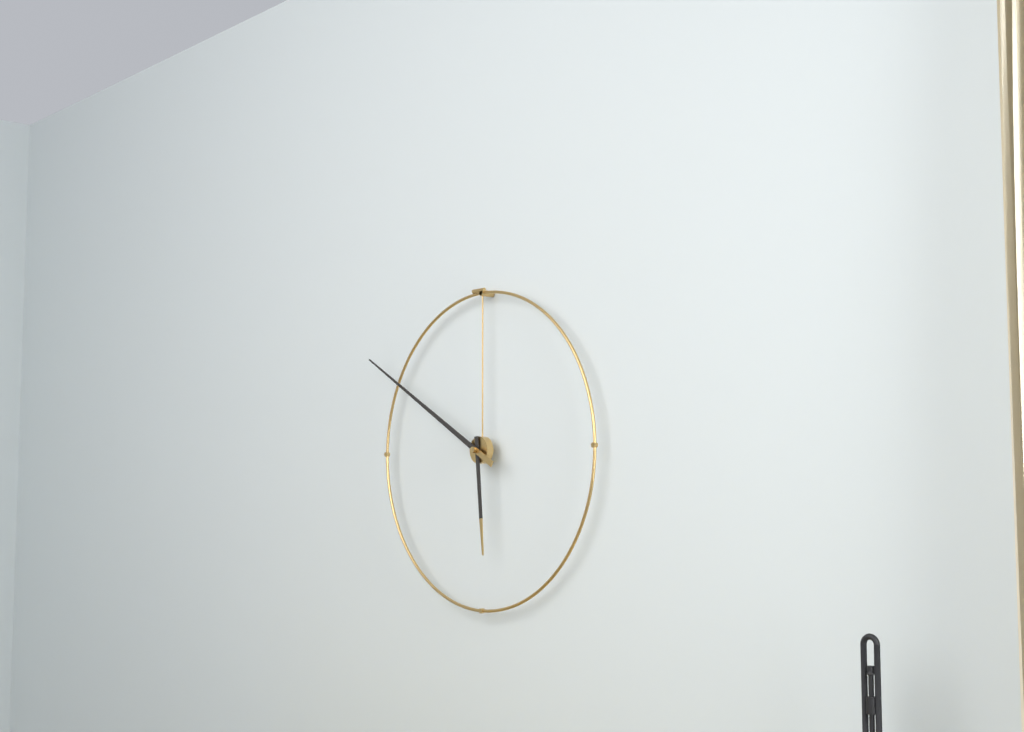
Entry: 5 h 50 min
